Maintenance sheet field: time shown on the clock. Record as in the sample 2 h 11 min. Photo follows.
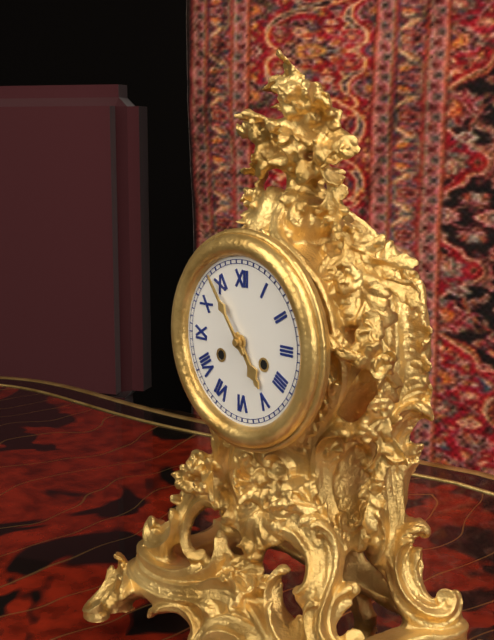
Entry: 4 h 54 min
